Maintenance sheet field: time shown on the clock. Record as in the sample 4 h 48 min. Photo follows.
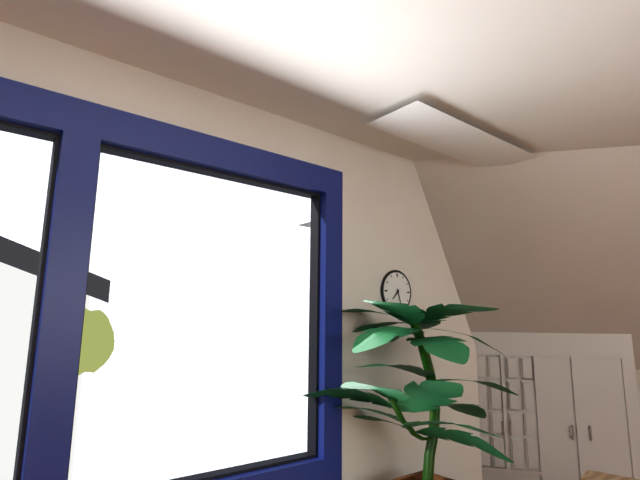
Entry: 7 h 27 min
